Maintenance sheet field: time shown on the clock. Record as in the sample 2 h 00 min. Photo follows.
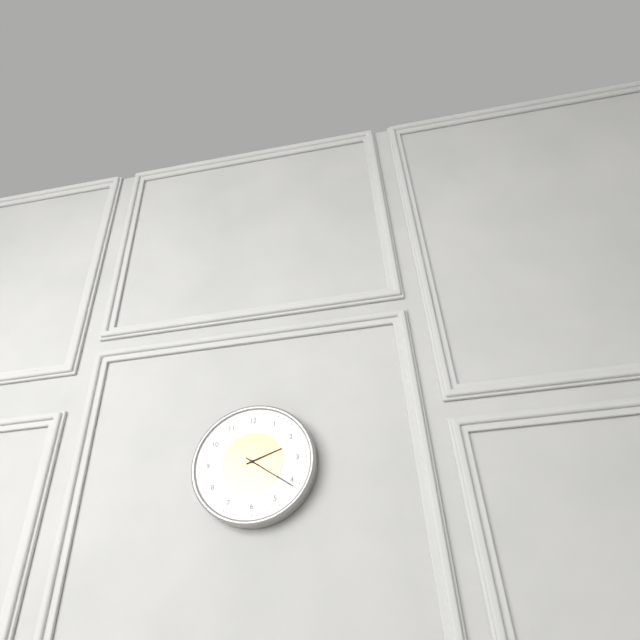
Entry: 2 h 21 min
